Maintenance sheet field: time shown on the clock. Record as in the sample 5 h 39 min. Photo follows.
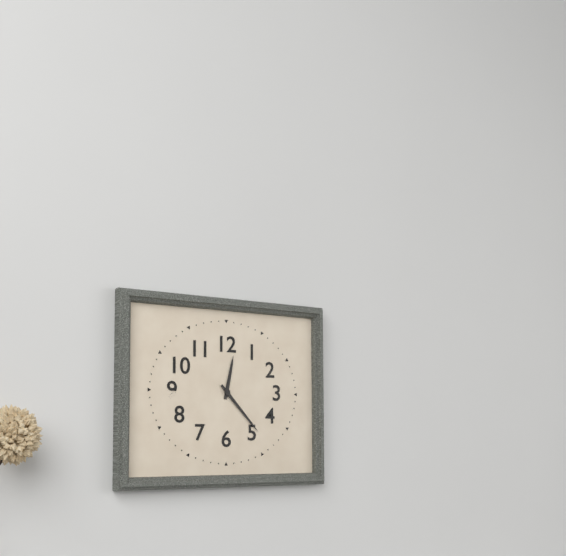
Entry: 12 h 23 min
